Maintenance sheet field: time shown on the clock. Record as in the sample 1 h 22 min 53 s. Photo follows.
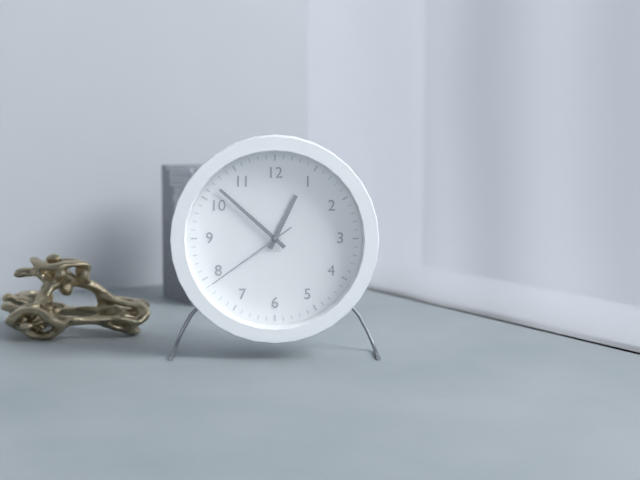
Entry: 12 h 52 min 39 s
